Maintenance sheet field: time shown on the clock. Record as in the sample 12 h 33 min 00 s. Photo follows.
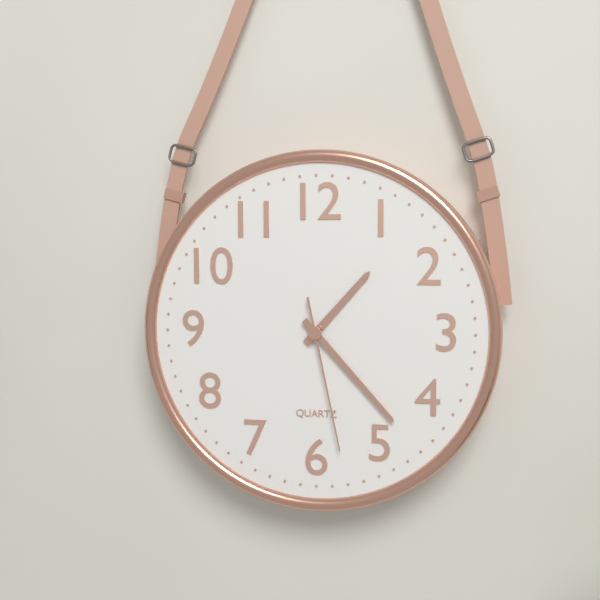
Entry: 1 h 23 min 28 s
